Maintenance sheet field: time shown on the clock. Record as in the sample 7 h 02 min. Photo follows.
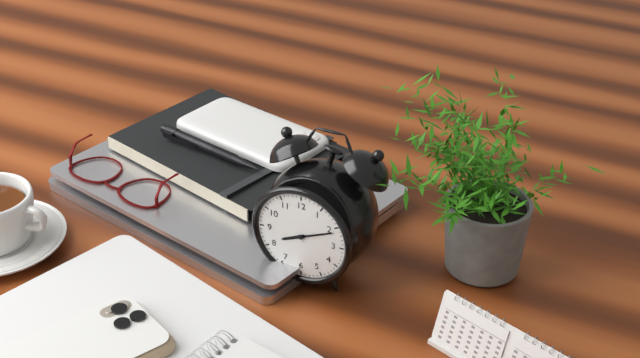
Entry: 8 h 11 min
